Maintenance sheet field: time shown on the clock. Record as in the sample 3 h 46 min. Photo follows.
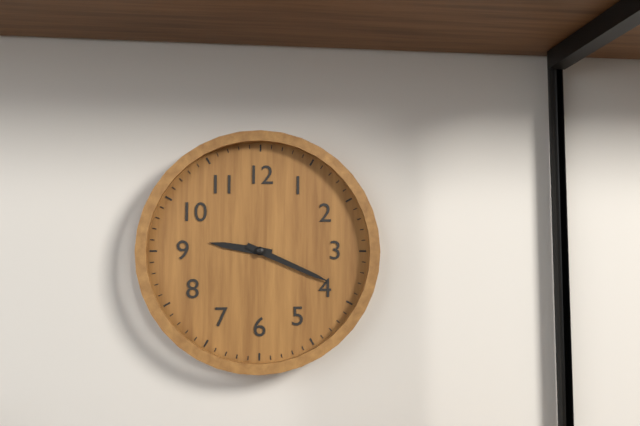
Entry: 9 h 19 min
